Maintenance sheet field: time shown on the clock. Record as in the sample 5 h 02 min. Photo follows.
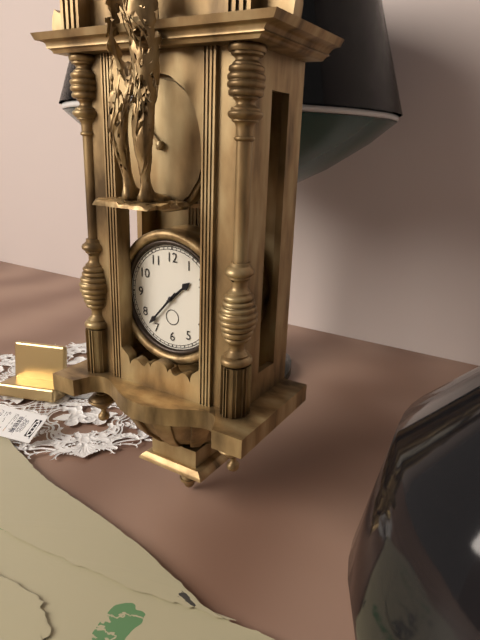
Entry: 1 h 37 min
